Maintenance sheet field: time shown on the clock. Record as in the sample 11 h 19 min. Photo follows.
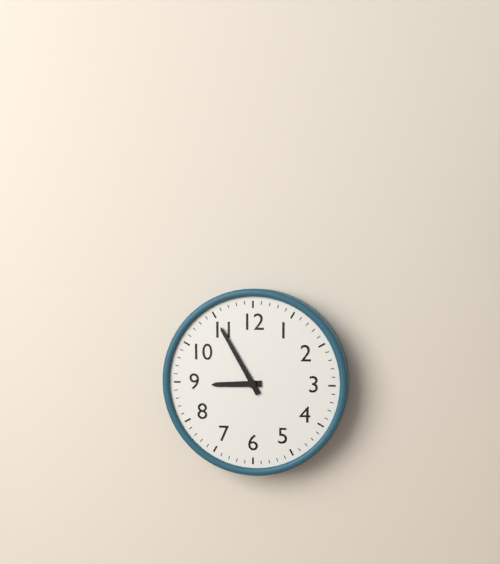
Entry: 8 h 55 min
